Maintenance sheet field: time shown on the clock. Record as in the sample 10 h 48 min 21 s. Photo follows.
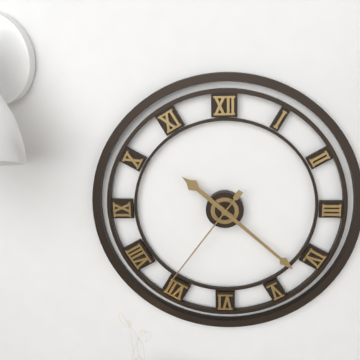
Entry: 10 h 22 min 36 s
